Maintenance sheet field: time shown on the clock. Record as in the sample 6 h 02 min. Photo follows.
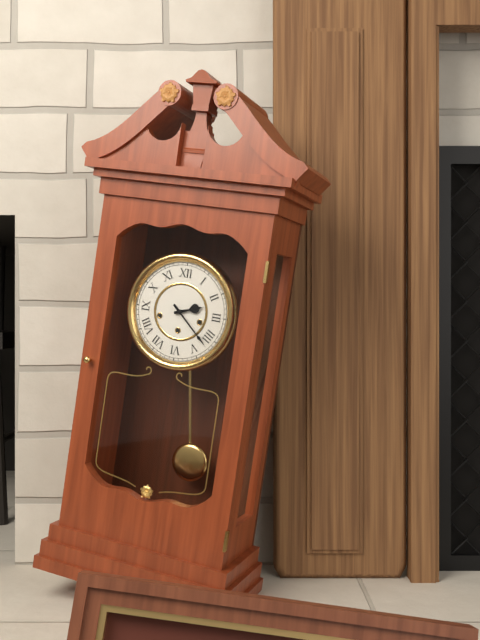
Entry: 2 h 22 min
